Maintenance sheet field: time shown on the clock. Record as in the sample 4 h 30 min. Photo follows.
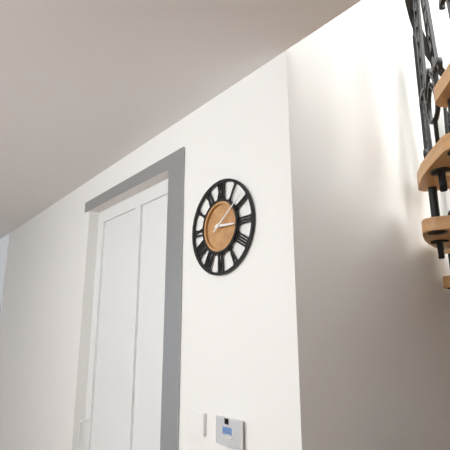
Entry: 3 h 09 min
